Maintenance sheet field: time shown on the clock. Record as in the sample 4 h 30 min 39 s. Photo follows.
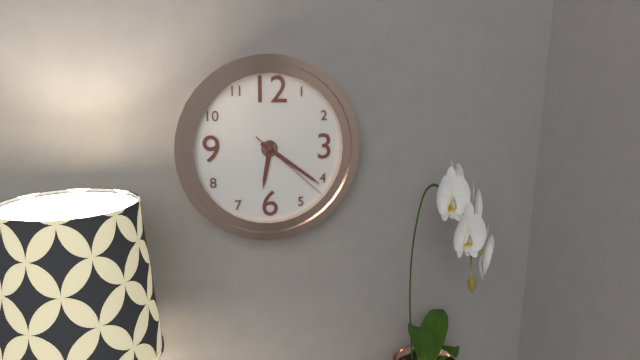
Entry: 6 h 21 min 22 s
